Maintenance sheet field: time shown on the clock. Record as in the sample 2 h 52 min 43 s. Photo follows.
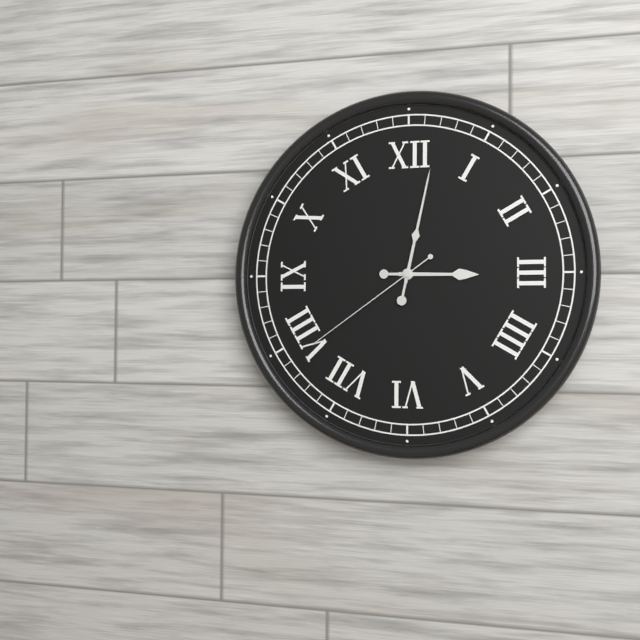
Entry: 3 h 02 min 39 s
